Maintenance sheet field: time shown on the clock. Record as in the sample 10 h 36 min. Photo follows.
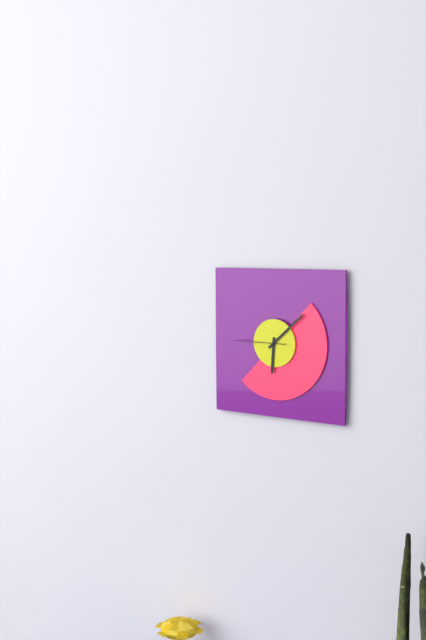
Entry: 6 h 08 min
